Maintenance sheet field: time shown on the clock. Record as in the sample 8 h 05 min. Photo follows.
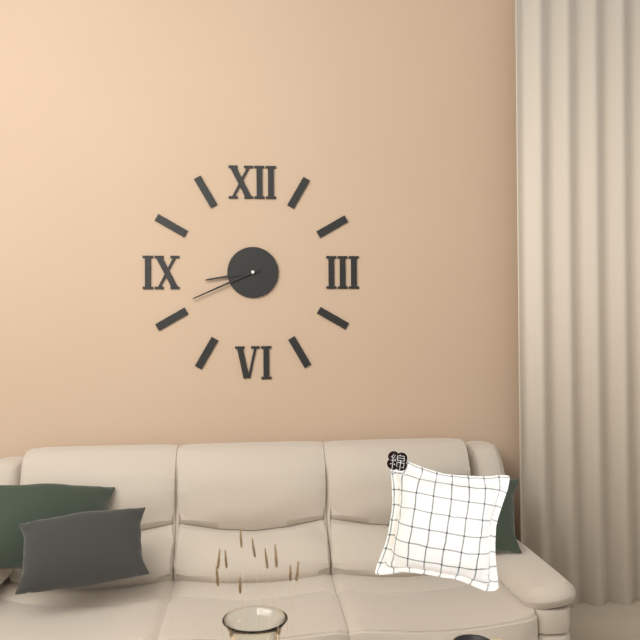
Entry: 8 h 41 min
